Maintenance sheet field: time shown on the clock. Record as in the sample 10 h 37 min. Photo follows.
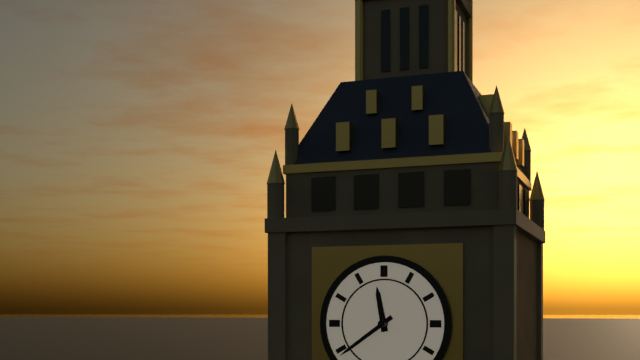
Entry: 11 h 39 min
